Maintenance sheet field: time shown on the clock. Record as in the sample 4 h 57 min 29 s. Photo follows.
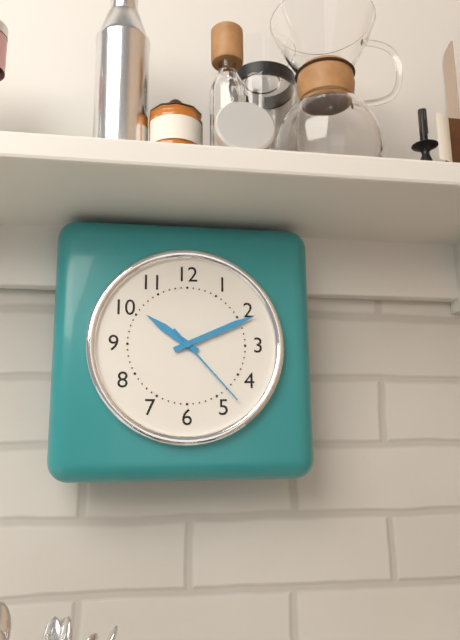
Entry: 10 h 11 min 23 s
